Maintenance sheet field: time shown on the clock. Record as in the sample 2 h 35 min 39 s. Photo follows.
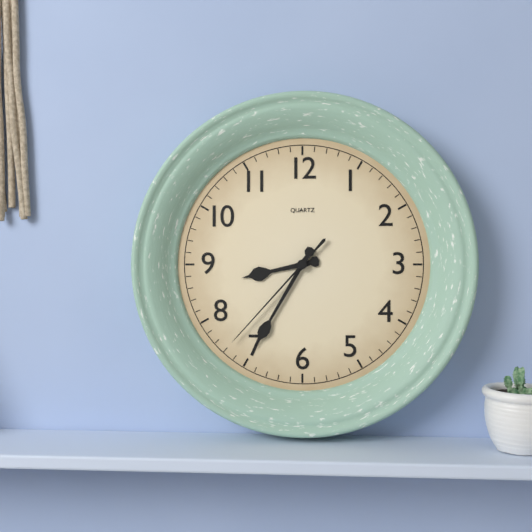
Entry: 8 h 35 min 37 s
